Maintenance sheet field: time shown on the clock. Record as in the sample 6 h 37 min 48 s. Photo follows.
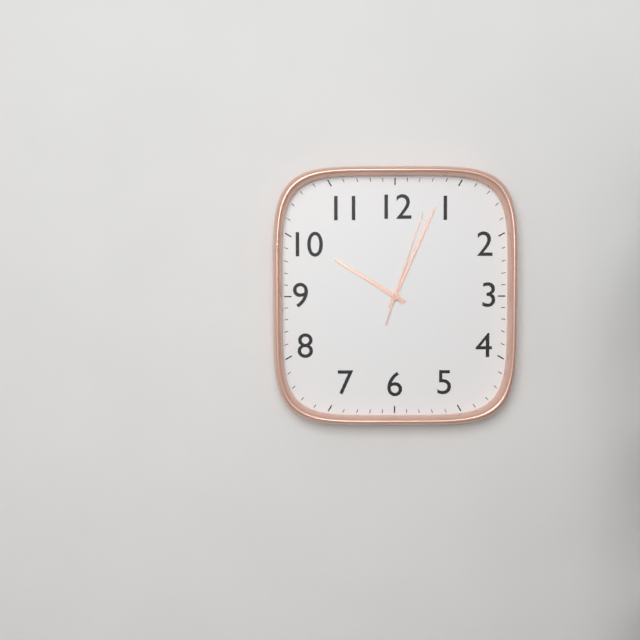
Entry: 10 h 04 min 03 s
